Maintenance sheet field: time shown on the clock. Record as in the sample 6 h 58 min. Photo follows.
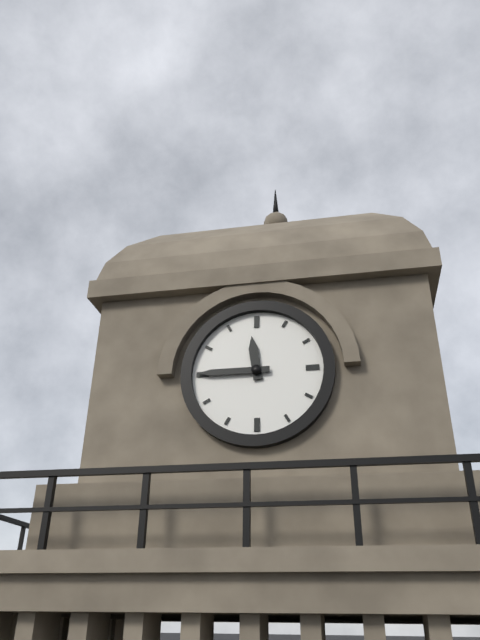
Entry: 11 h 45 min
